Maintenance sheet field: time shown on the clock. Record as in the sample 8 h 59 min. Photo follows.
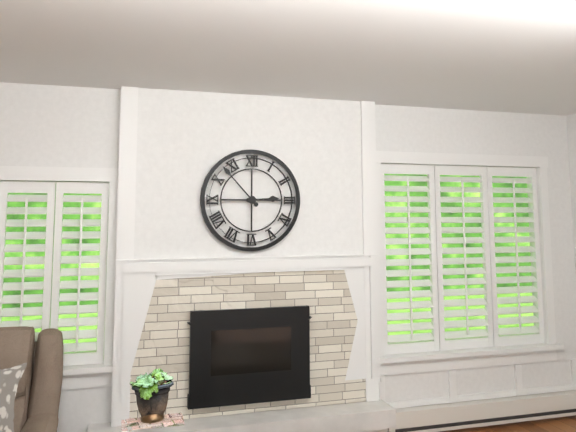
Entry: 2 h 53 min
